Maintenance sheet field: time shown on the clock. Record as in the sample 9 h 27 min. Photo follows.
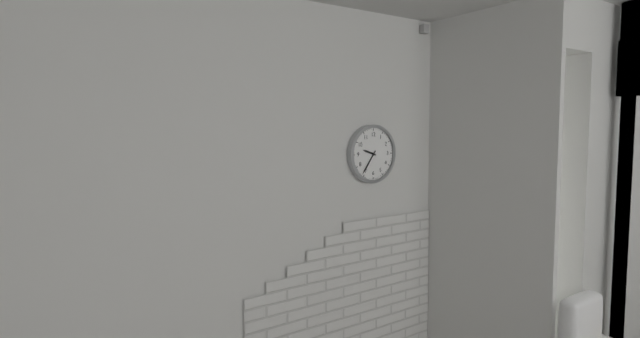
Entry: 9 h 36 min
